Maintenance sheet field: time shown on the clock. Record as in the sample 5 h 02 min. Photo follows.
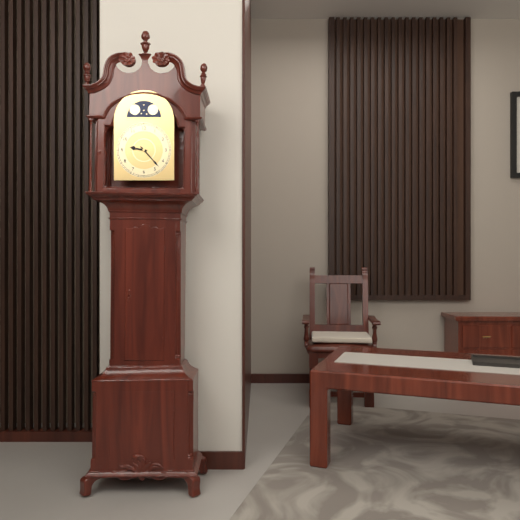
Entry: 9 h 23 min
